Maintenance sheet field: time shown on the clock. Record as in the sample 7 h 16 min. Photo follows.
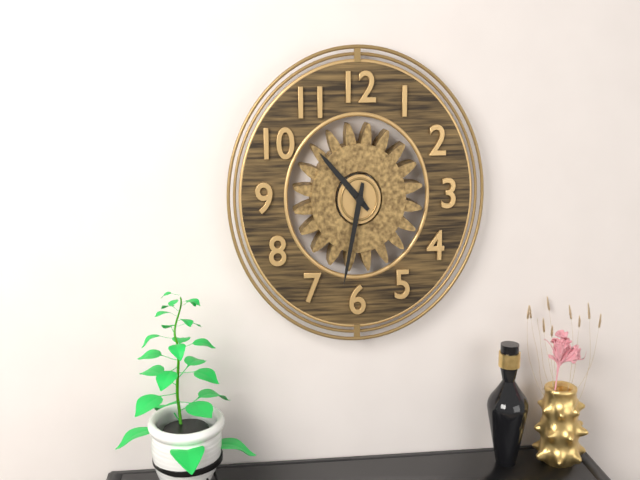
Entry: 10 h 32 min
